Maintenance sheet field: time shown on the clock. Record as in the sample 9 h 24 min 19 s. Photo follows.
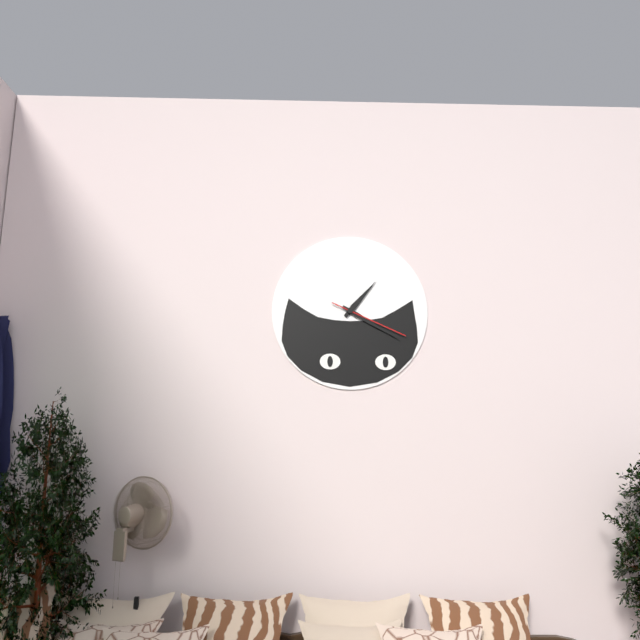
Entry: 1 h 20 min 19 s
